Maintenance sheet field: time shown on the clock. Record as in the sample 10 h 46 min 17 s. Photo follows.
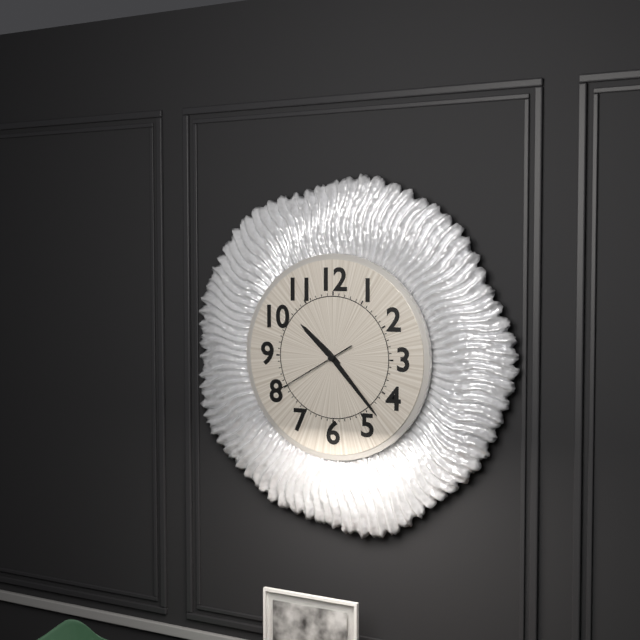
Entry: 10 h 23 min 40 s
